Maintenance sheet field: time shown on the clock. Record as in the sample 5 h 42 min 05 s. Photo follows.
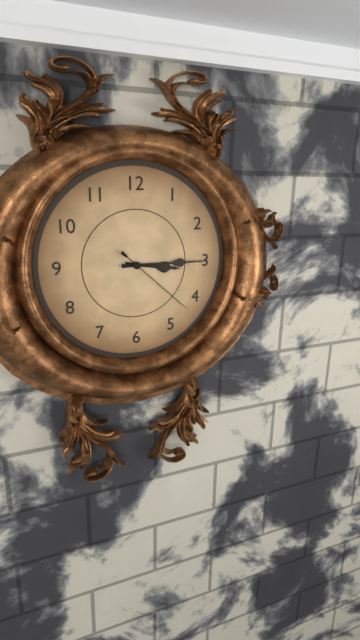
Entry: 3 h 15 min 22 s
